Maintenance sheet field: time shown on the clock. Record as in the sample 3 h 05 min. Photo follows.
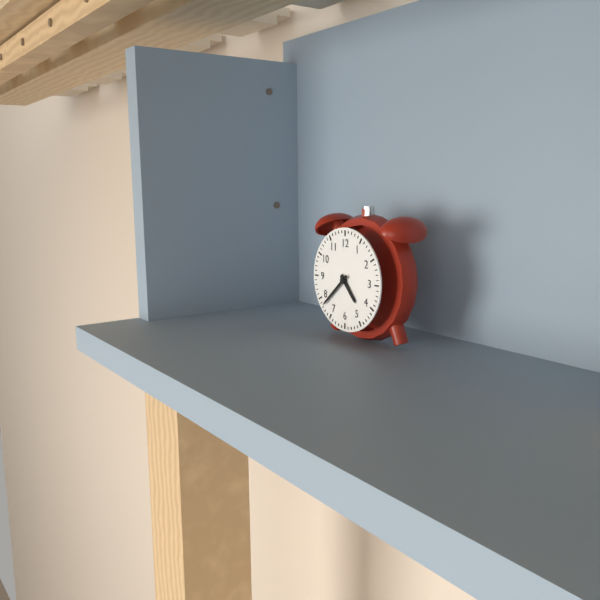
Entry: 4 h 38 min
